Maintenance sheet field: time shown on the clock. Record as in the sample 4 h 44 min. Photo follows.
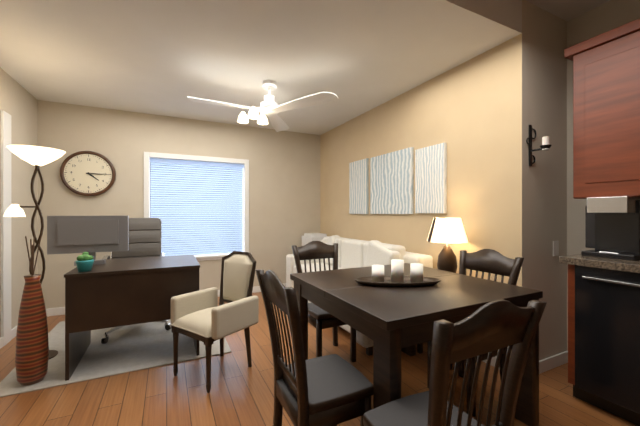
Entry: 4 h 15 min
